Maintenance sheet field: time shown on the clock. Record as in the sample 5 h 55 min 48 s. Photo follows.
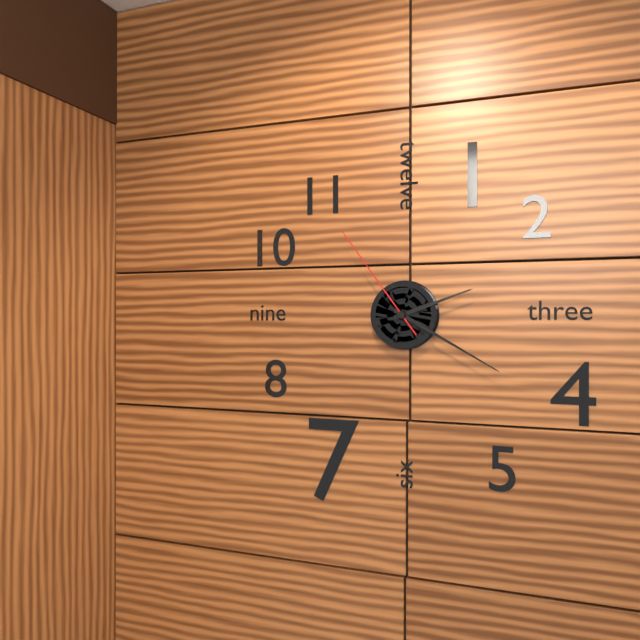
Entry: 2 h 20 min 54 s
